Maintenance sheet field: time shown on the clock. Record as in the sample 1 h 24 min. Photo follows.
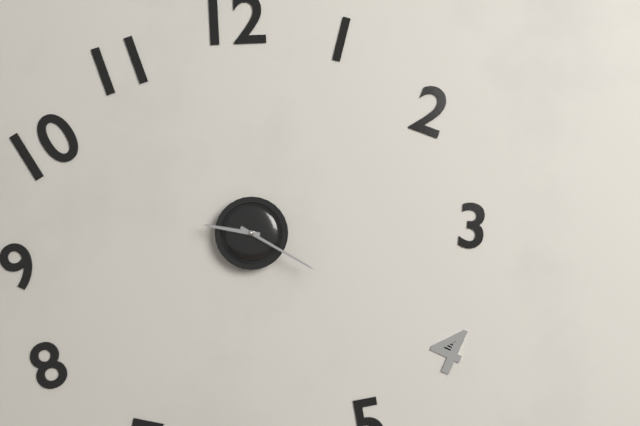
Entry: 9 h 20 min
